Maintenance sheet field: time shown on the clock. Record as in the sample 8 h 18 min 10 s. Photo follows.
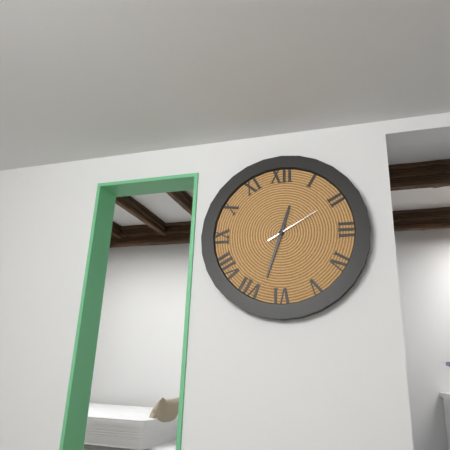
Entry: 12 h 33 min 10 s
